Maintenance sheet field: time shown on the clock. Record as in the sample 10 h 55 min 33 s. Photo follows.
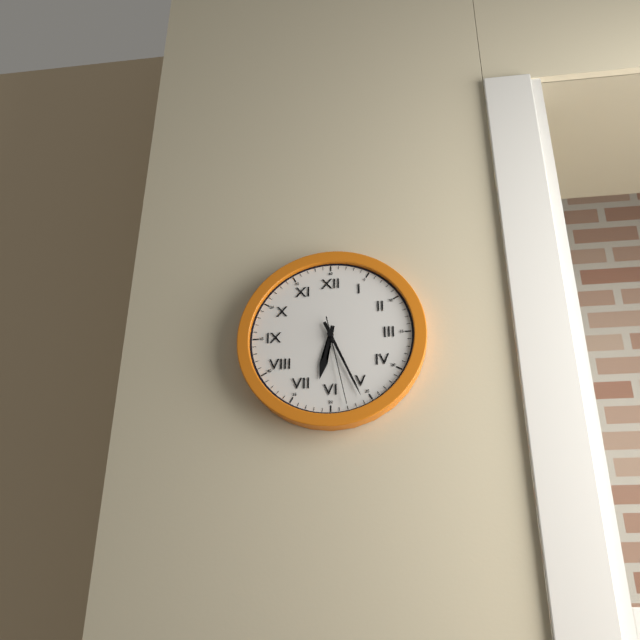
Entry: 6 h 26 min 28 s
